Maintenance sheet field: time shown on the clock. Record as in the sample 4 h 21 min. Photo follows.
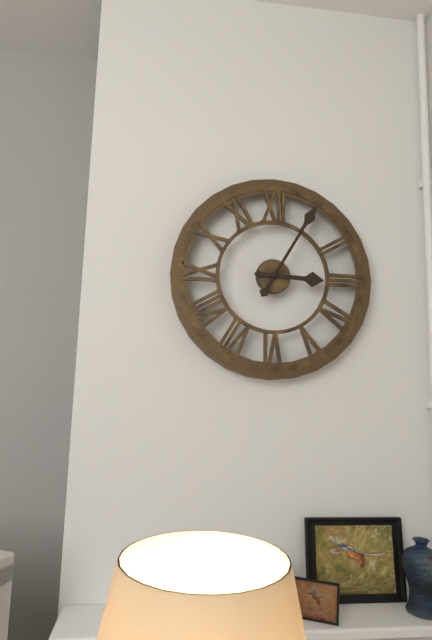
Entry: 3 h 05 min
